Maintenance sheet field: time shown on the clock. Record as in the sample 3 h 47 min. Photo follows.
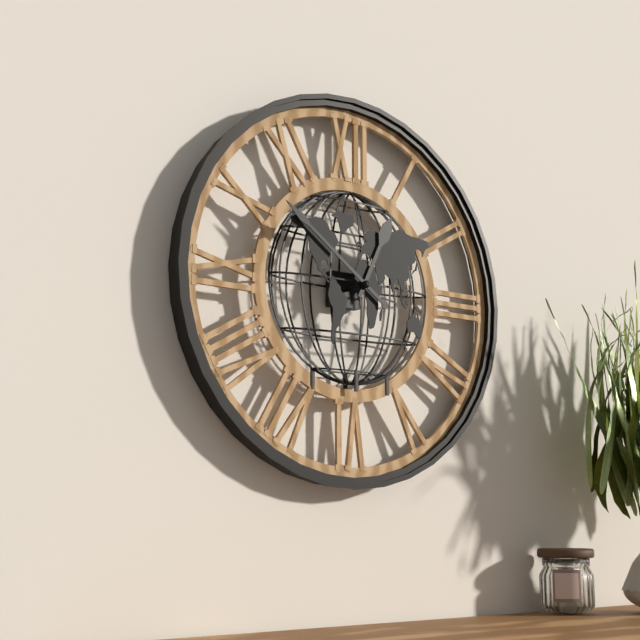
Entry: 12 h 51 min
